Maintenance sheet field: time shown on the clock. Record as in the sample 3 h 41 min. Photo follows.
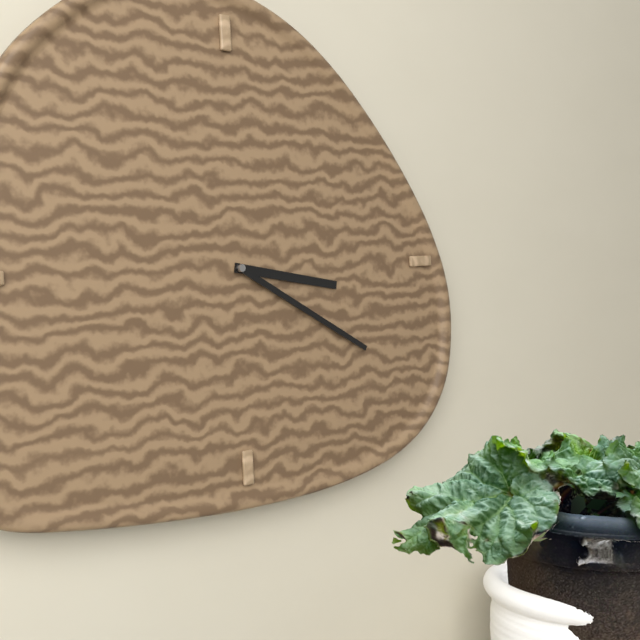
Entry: 3 h 20 min
